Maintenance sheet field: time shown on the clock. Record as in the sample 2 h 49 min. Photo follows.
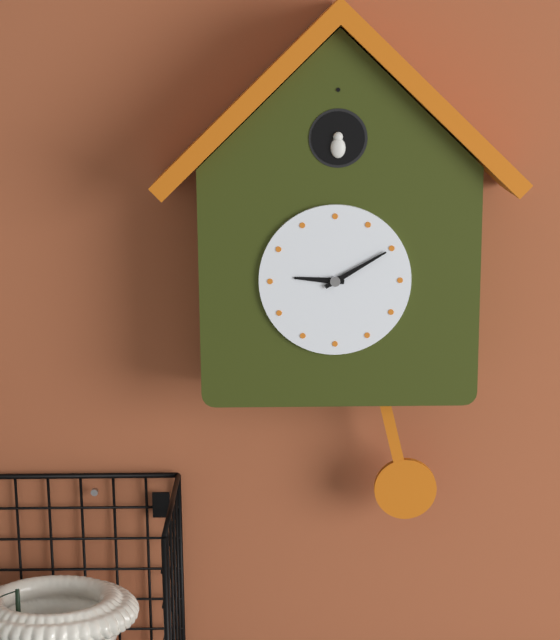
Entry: 9 h 10 min
